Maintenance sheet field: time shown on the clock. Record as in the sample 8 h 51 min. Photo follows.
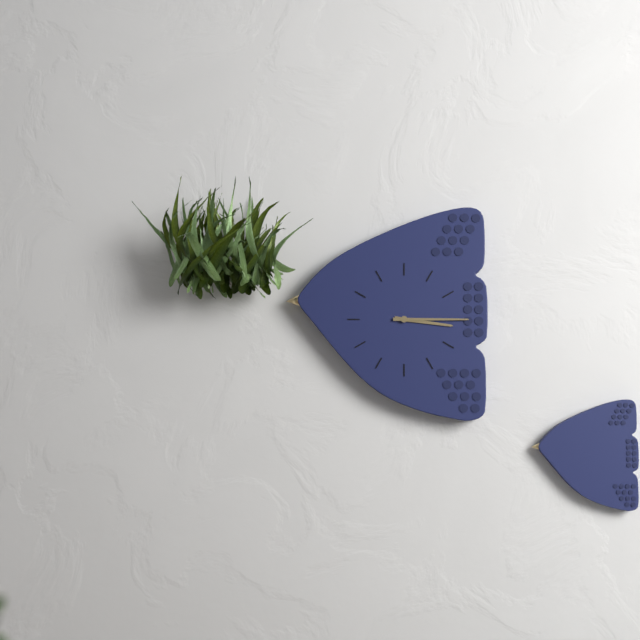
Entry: 3 h 15 min
